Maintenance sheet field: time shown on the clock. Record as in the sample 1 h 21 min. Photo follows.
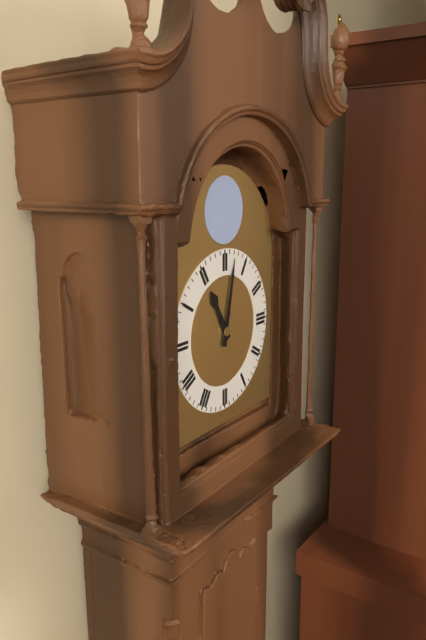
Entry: 11 h 02 min
